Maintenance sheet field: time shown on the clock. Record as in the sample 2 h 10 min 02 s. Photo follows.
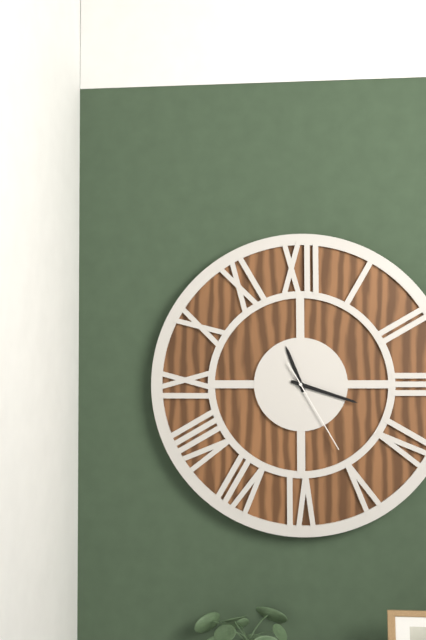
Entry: 11 h 18 min 25 s
